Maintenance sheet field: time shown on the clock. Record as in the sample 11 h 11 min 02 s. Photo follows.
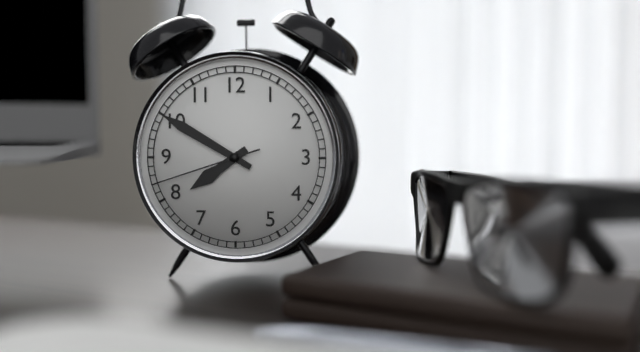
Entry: 7 h 50 min 42 s
